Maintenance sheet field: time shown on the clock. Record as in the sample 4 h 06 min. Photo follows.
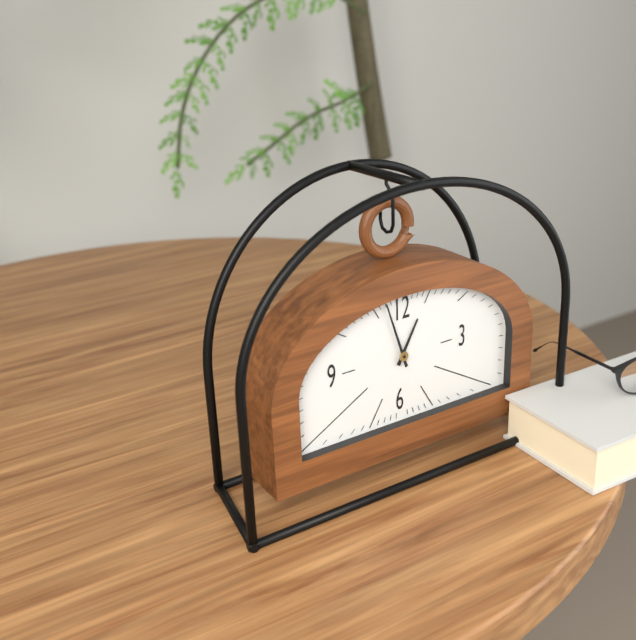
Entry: 12 h 57 min
